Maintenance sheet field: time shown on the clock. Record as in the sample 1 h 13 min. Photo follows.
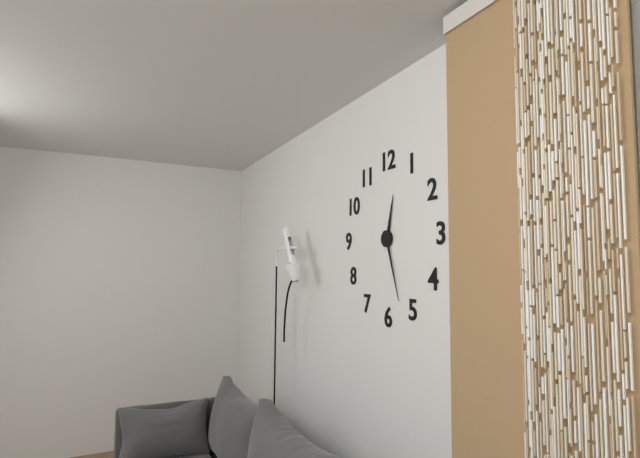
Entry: 12 h 27 min
